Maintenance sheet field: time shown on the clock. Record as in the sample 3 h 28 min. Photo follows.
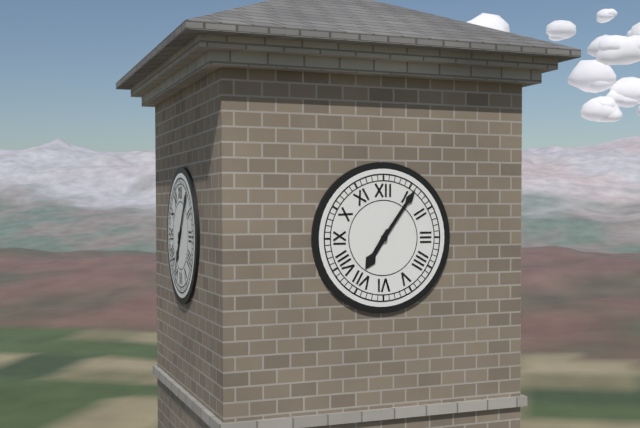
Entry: 7 h 06 min
